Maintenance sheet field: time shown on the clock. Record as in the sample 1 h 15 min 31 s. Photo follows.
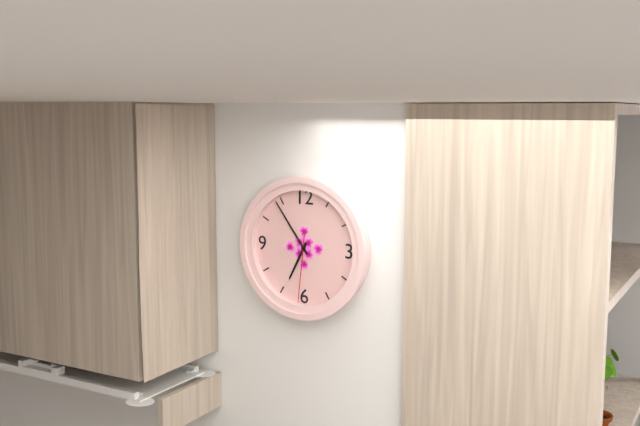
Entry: 6 h 54 min 31 s
